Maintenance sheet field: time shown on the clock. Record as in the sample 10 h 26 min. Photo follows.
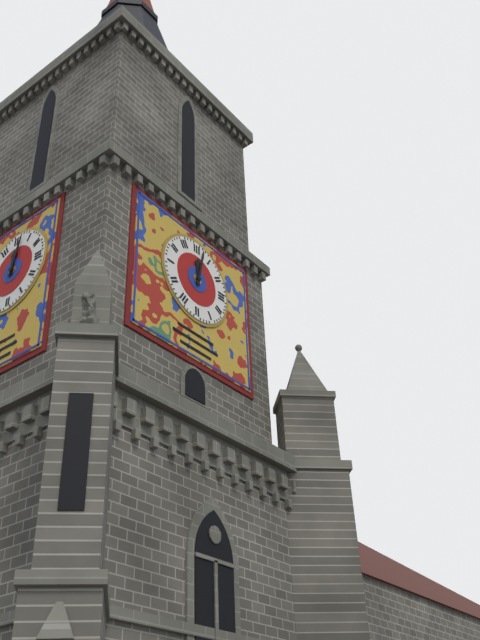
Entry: 12 h 02 min
